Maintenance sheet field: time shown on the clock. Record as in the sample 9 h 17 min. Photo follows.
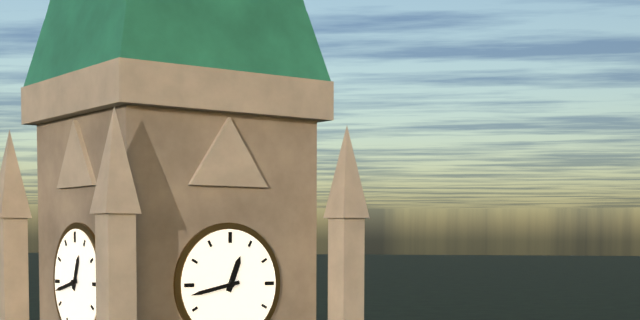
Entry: 12 h 43 min
